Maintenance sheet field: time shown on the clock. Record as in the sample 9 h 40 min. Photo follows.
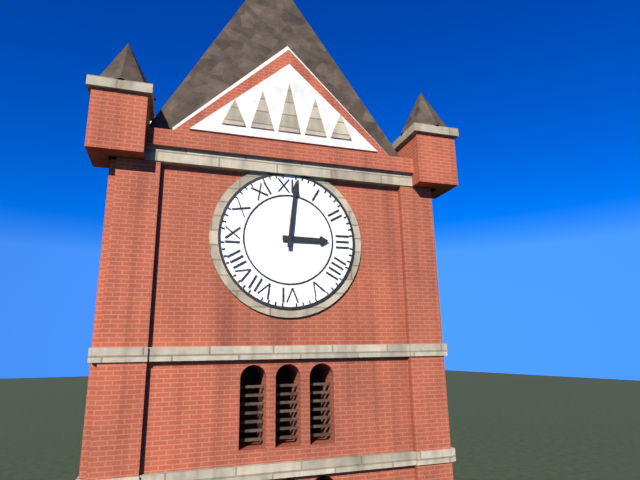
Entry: 3 h 01 min
